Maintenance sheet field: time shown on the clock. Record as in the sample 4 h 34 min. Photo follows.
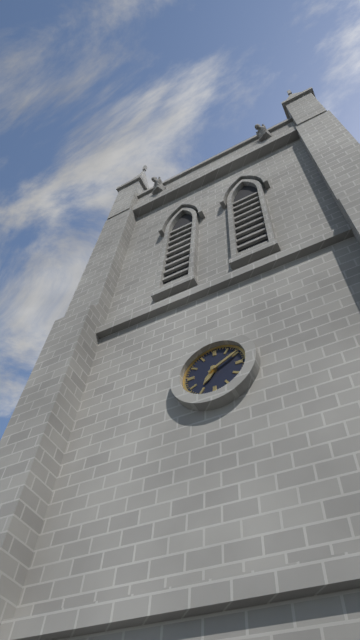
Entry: 7 h 10 min
